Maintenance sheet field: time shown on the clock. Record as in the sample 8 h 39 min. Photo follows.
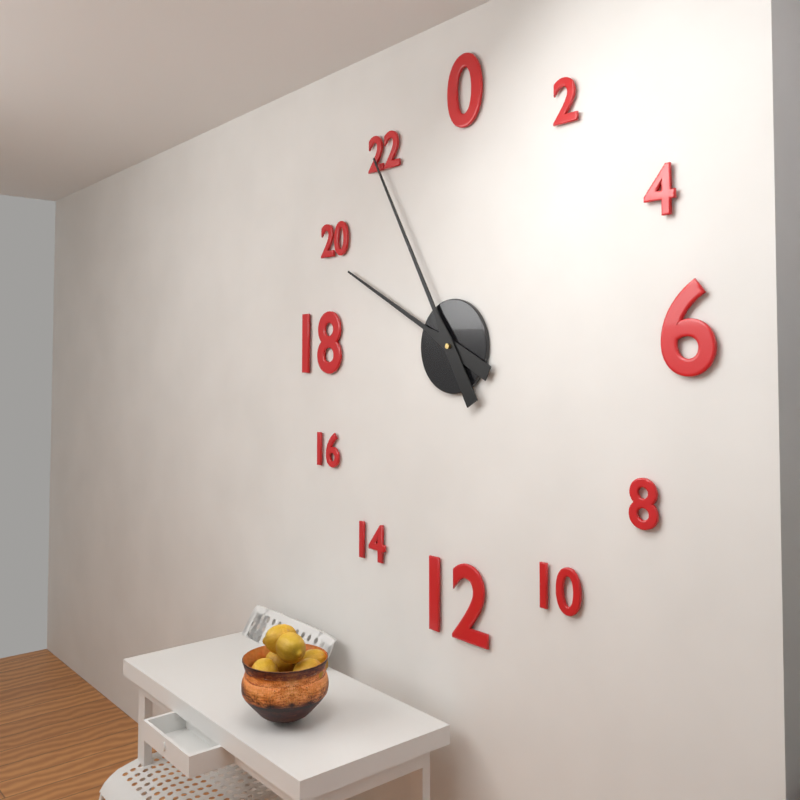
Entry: 9 h 55 min
